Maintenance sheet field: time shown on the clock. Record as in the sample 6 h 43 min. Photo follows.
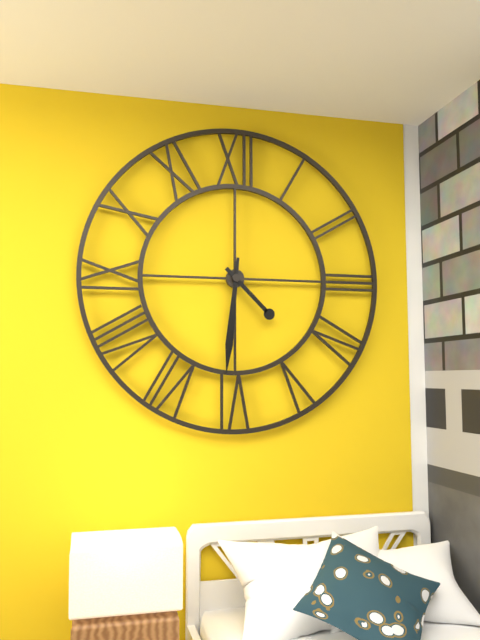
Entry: 4 h 31 min
